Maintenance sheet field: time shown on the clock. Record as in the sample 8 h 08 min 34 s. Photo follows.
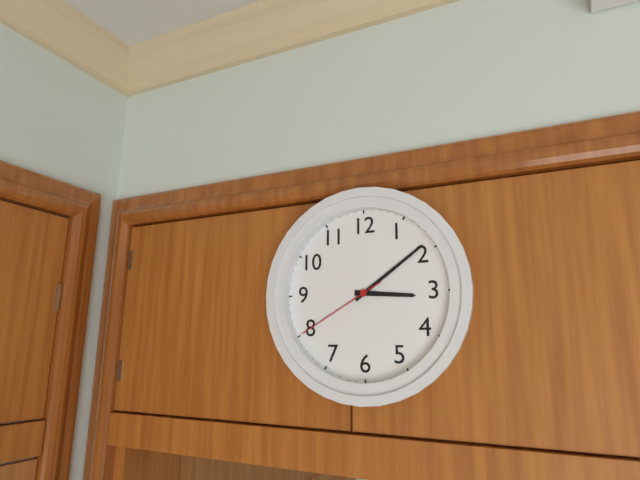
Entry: 3 h 09 min 40 s
